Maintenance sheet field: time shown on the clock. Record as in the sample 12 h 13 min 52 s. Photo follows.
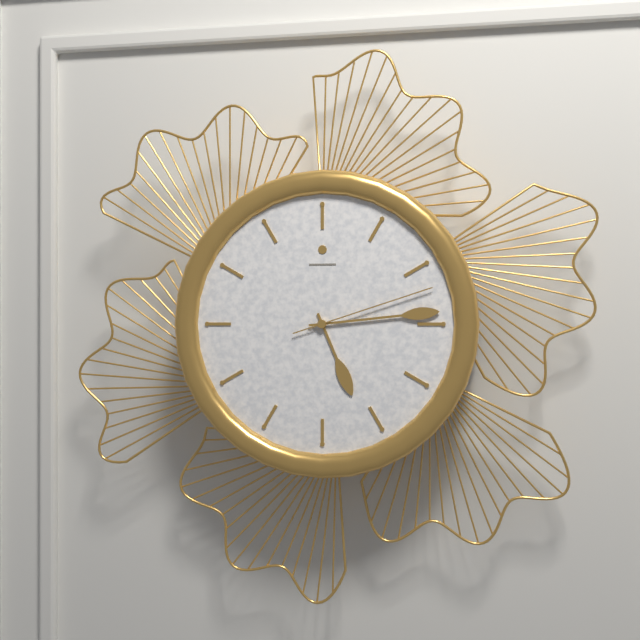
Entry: 5 h 14 min 12 s
